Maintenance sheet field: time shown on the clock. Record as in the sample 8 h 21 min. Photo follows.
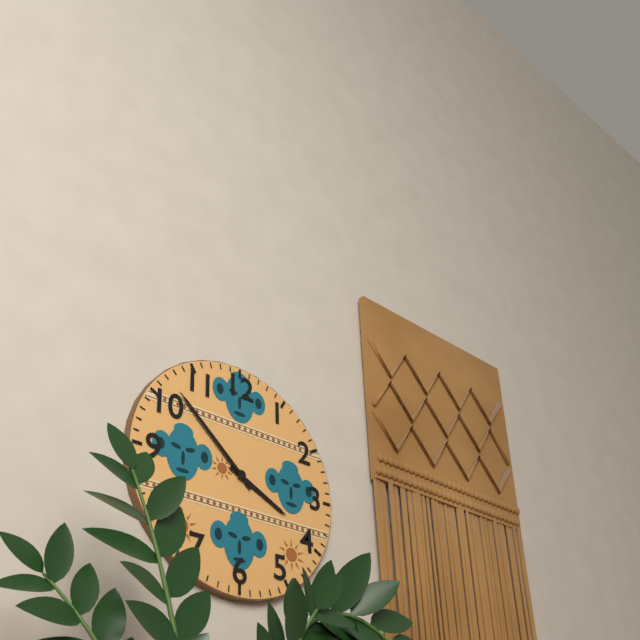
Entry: 3 h 52 min
